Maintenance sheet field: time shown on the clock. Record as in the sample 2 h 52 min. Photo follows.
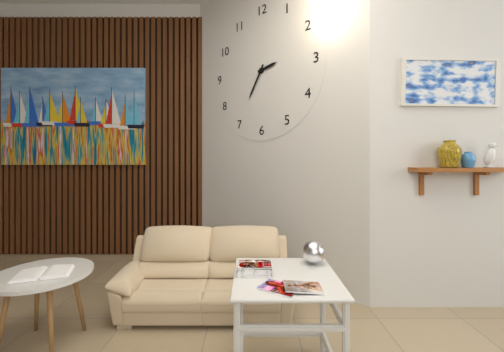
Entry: 2 h 35 min
